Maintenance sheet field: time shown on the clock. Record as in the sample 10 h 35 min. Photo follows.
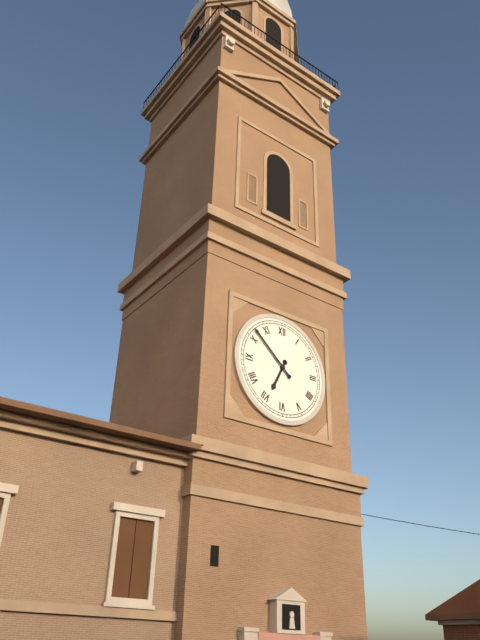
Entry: 6 h 52 min
